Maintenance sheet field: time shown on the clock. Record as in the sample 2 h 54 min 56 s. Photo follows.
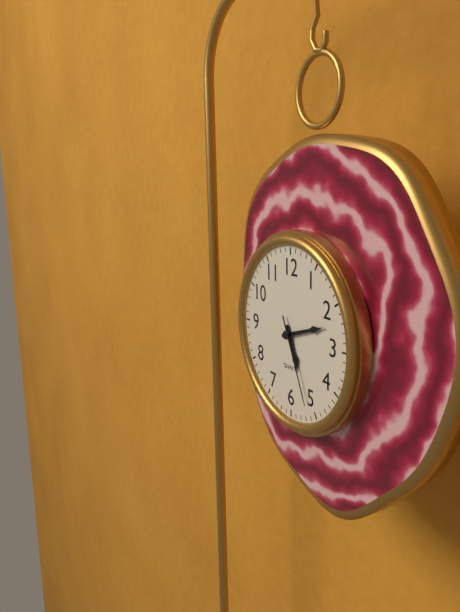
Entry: 5 h 12 min 26 s
